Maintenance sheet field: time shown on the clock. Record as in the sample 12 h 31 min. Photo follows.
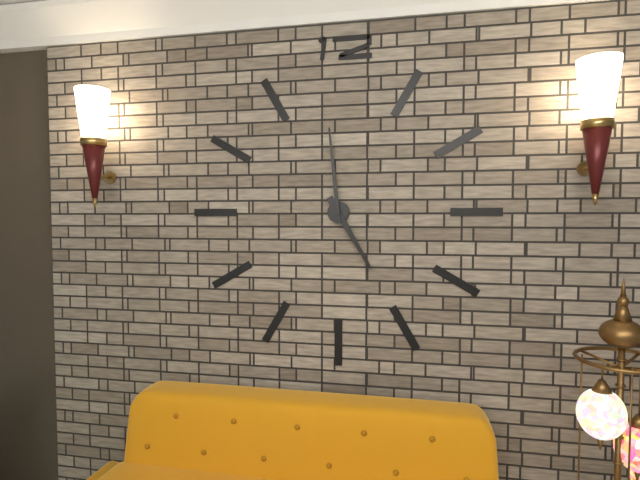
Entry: 4 h 59 min
